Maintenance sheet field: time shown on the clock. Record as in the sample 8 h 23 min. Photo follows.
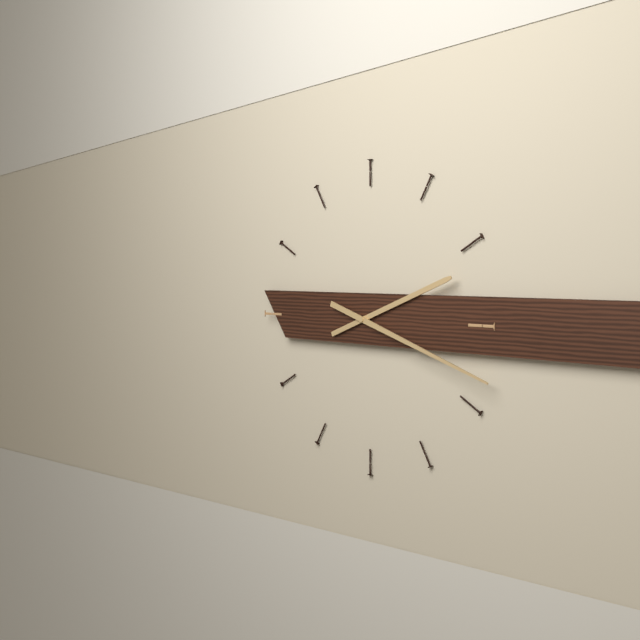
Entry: 2 h 18 min
